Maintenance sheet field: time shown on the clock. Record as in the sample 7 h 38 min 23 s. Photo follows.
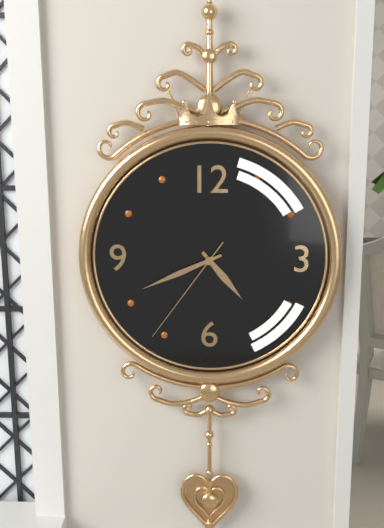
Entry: 4 h 41 min 36 s
